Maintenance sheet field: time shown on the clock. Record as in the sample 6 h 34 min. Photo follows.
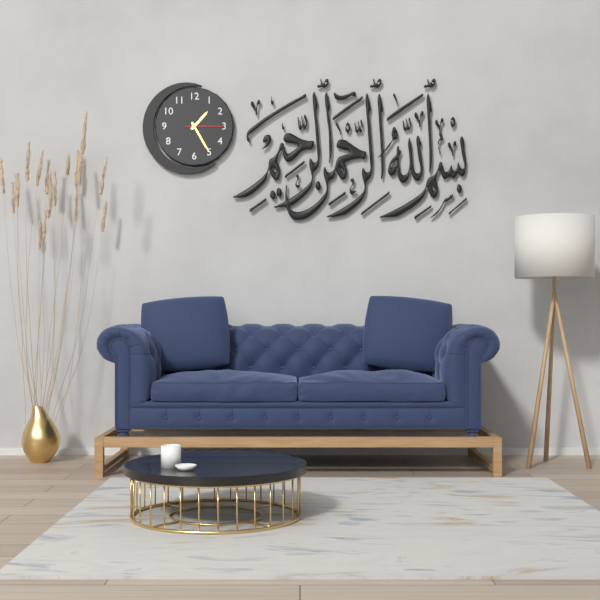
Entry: 1 h 25 min
